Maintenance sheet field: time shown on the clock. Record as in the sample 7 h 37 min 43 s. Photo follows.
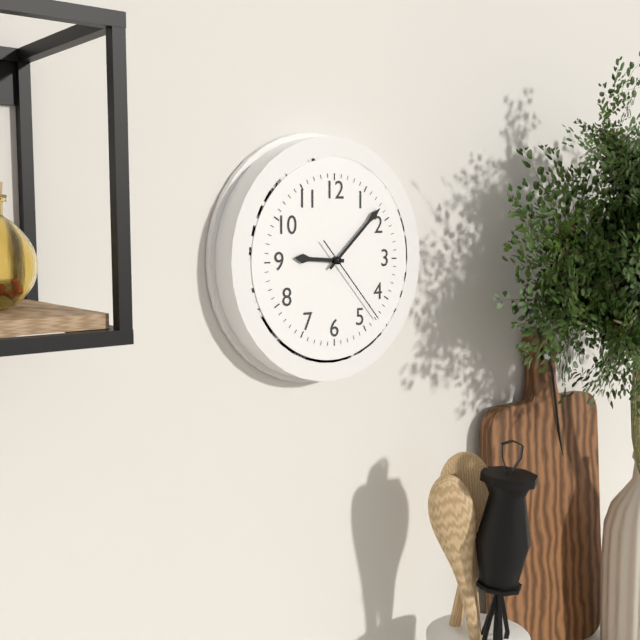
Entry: 9 h 08 min 23 s
